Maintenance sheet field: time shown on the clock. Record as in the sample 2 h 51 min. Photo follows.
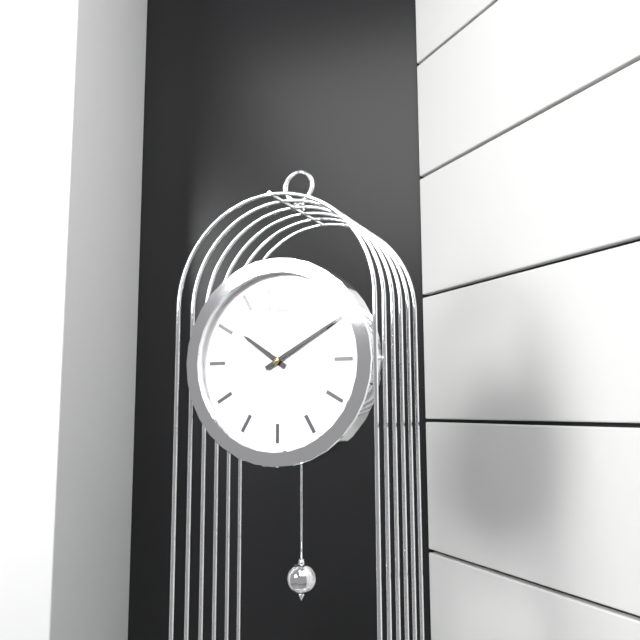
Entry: 10 h 10 min
